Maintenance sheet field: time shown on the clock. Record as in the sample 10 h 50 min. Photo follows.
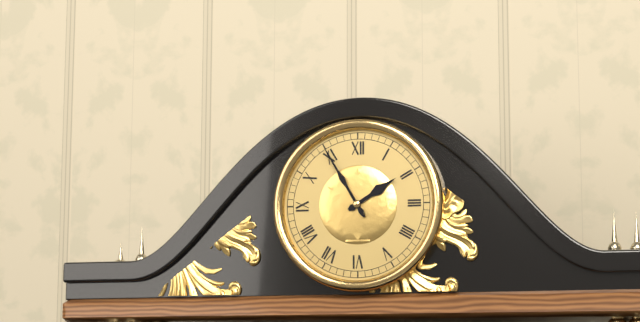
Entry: 1 h 55 min
